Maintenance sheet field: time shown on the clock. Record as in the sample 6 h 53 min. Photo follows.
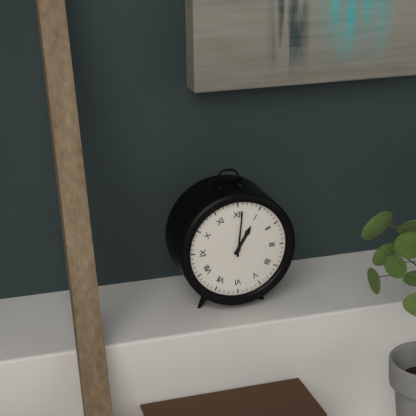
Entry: 1 h 01 min
